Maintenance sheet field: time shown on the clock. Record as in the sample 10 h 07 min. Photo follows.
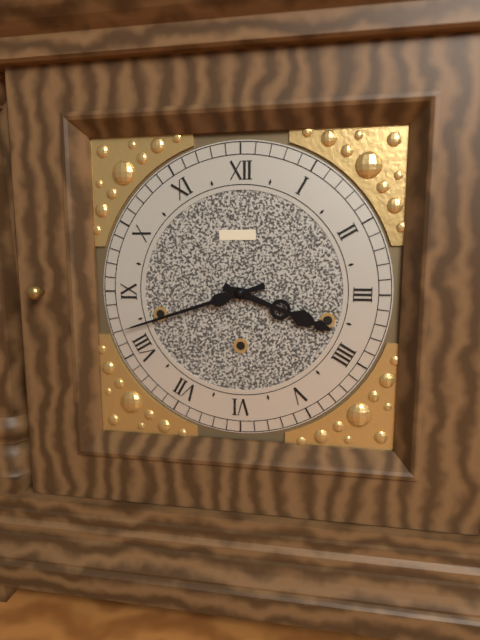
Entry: 3 h 42 min
